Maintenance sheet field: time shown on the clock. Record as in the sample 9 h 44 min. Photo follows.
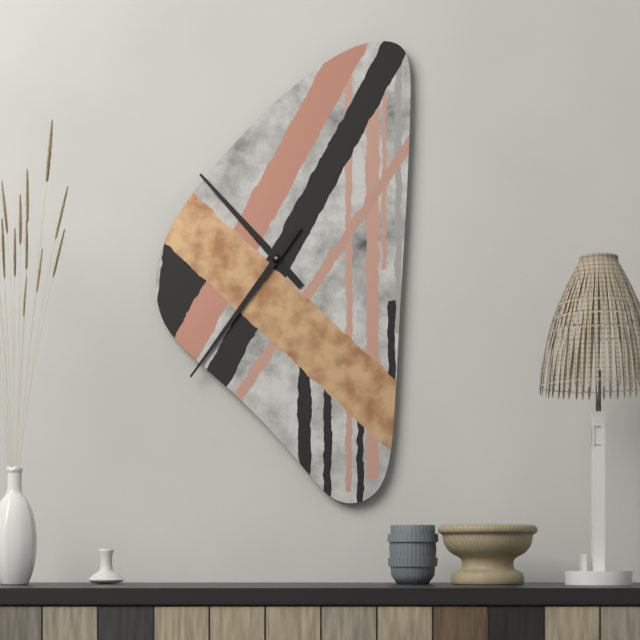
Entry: 10 h 36 min
